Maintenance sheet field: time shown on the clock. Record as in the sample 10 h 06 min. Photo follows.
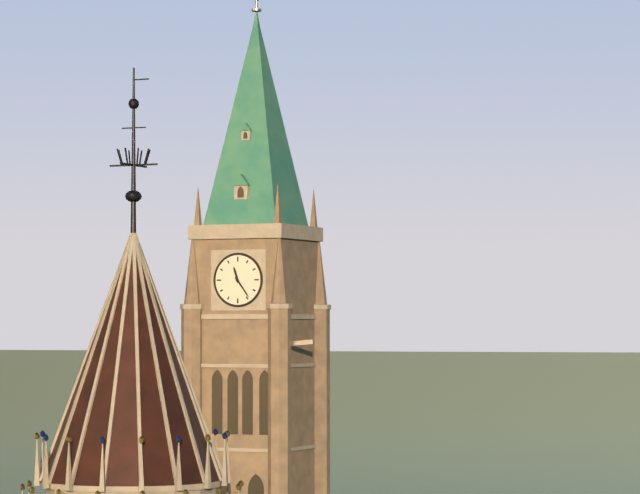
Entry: 11 h 24 min
